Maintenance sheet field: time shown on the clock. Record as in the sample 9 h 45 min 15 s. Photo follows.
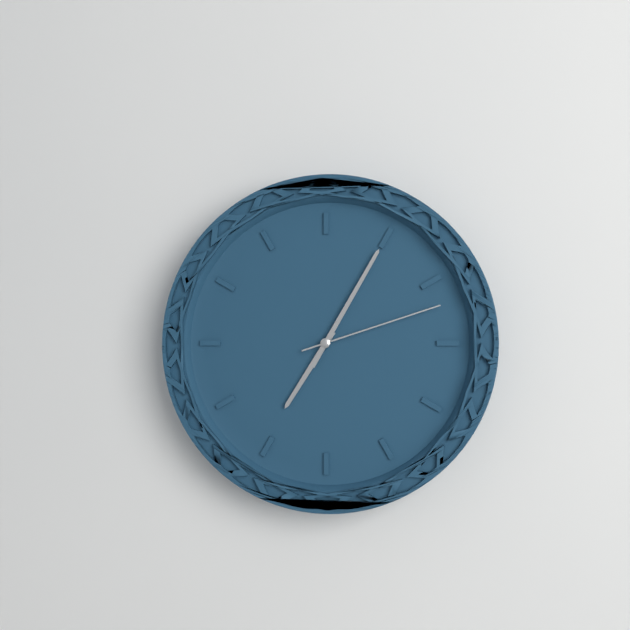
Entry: 7 h 05 min 12 s
